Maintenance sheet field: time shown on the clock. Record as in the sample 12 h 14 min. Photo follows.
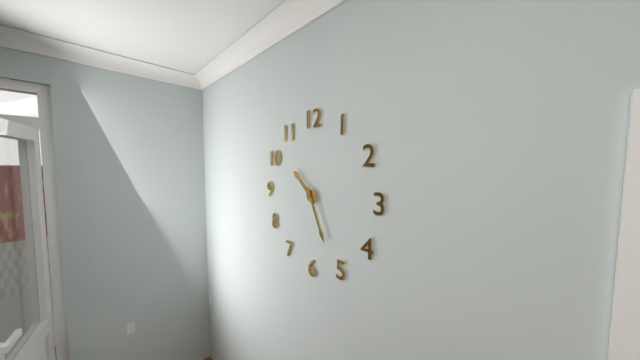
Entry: 10 h 26 min
